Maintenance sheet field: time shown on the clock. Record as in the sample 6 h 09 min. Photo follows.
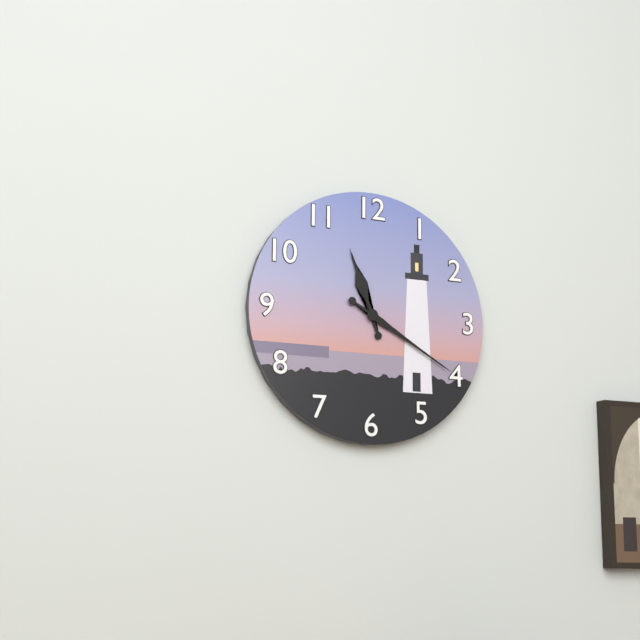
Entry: 11 h 20 min
